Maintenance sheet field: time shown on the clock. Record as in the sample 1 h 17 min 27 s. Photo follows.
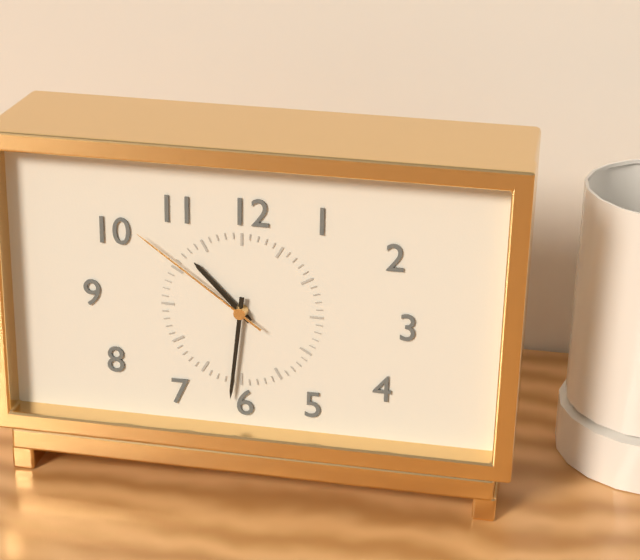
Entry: 10 h 31 min 51 s
